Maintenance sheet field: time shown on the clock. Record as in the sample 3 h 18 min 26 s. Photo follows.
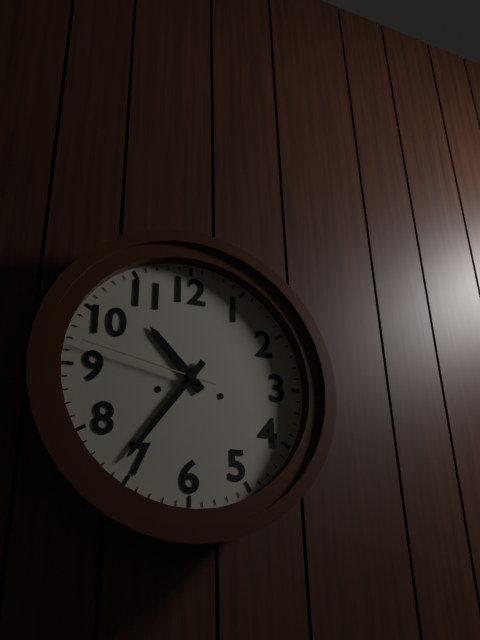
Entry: 10 h 36 min 47 s
